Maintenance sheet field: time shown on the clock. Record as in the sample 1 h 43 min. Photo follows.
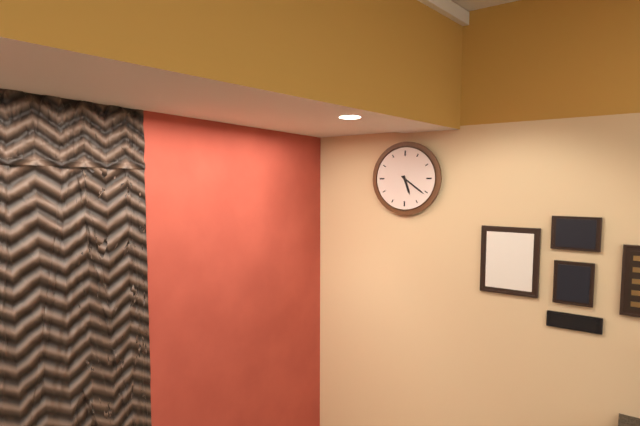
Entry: 5 h 21 min
